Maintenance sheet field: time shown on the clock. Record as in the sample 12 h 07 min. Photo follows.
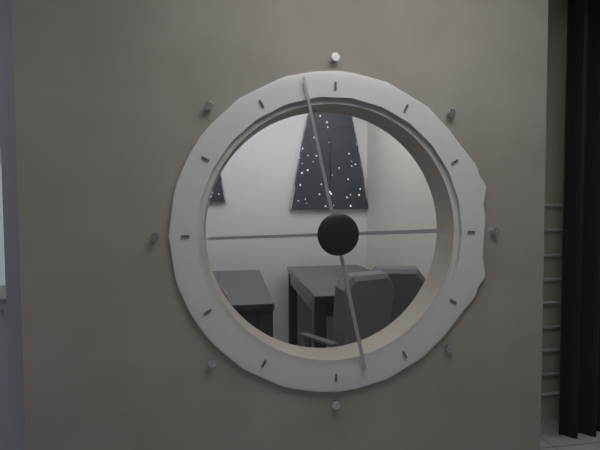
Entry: 8 h 58 min
